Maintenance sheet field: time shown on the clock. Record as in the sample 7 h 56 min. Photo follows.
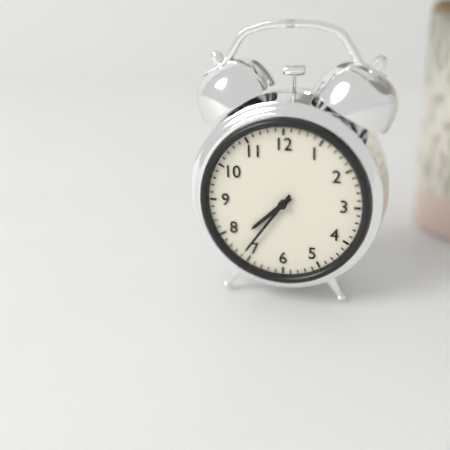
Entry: 7 h 36 min
